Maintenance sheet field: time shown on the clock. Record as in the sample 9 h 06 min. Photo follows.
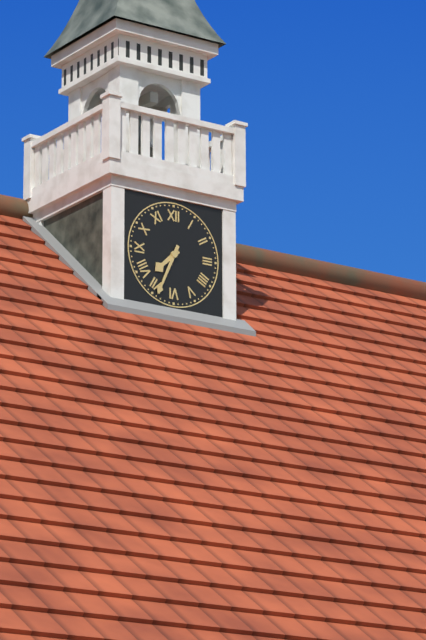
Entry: 7 h 34 min
